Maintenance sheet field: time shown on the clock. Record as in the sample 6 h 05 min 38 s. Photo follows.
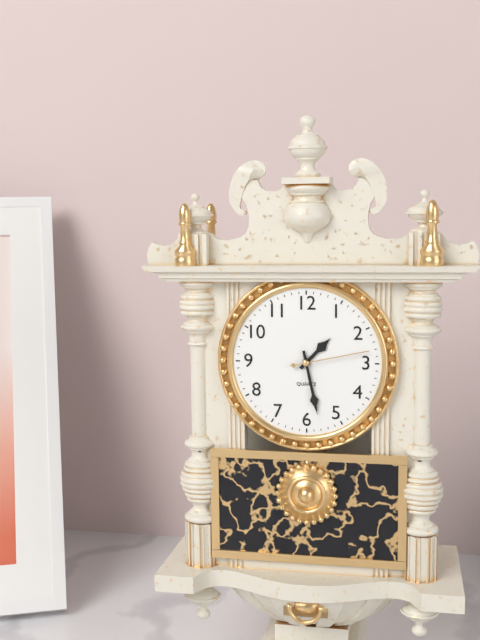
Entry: 1 h 28 min 13 s
